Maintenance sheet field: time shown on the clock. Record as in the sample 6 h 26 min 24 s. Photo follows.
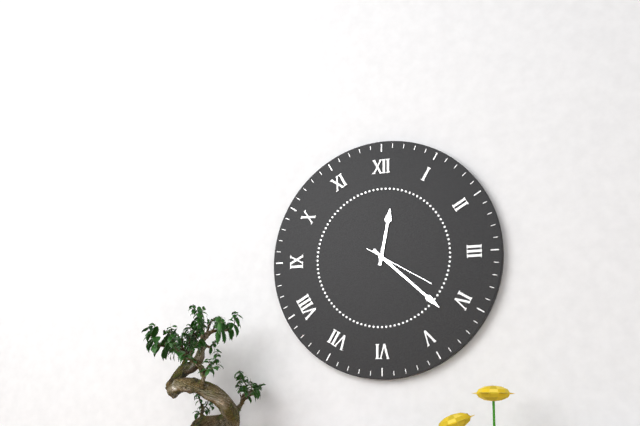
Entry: 12 h 22 min 20 s
